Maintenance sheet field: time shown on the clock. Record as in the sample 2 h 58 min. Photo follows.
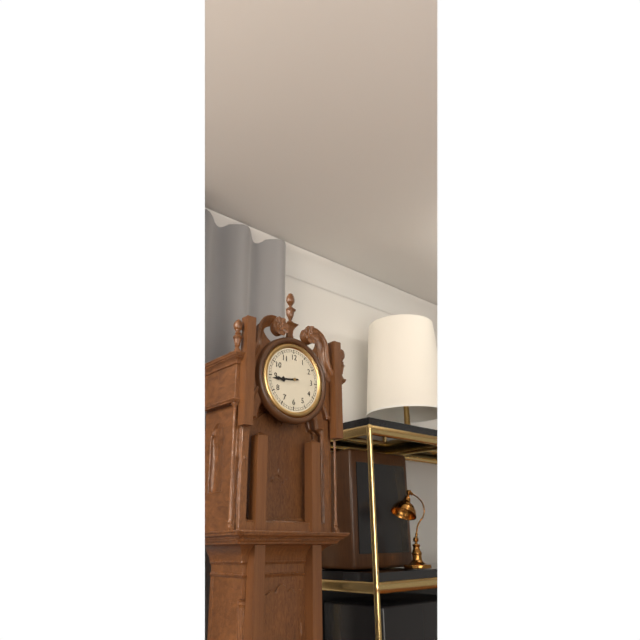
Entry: 8 h 44 min
